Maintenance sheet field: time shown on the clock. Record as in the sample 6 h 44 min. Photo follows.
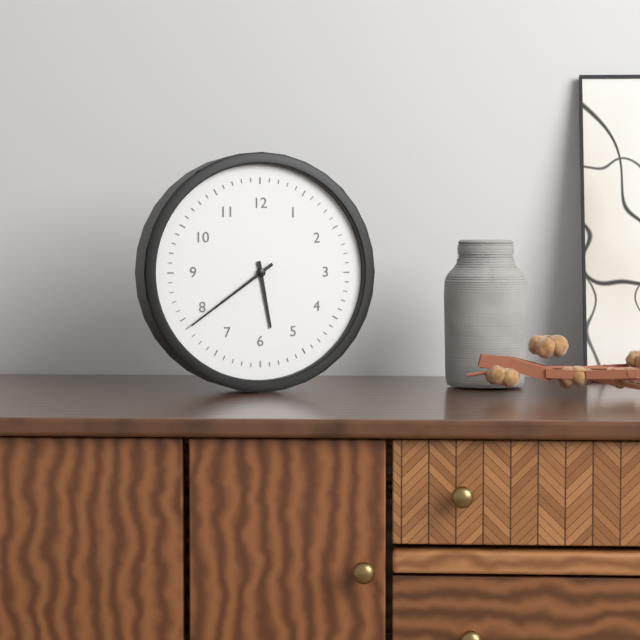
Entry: 5 h 39 min
